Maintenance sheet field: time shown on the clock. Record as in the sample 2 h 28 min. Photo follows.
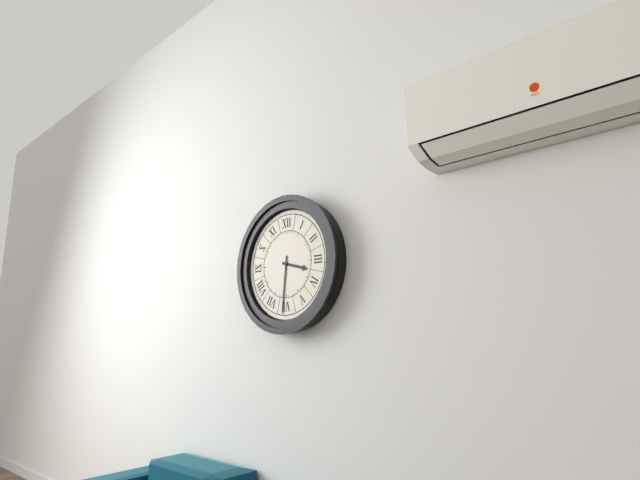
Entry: 3 h 31 min
